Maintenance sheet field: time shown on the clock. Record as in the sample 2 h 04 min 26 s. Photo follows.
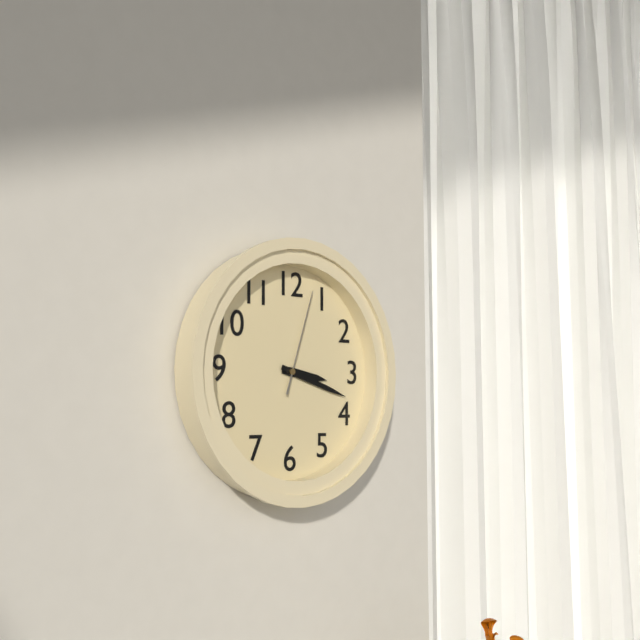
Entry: 3 h 18 min 03 s
